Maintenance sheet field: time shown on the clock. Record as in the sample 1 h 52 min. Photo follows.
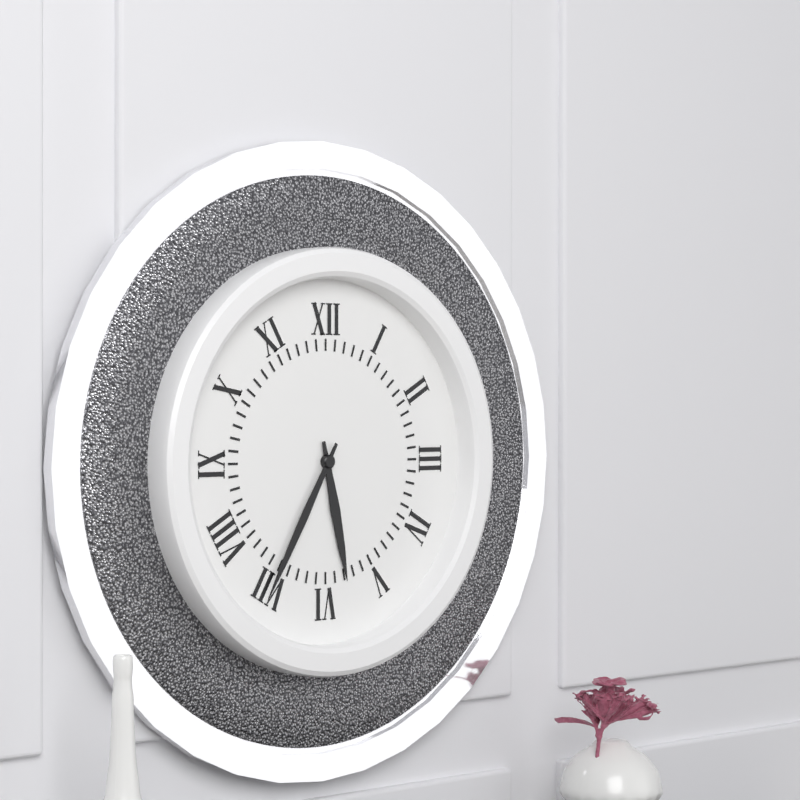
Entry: 5 h 35 min
